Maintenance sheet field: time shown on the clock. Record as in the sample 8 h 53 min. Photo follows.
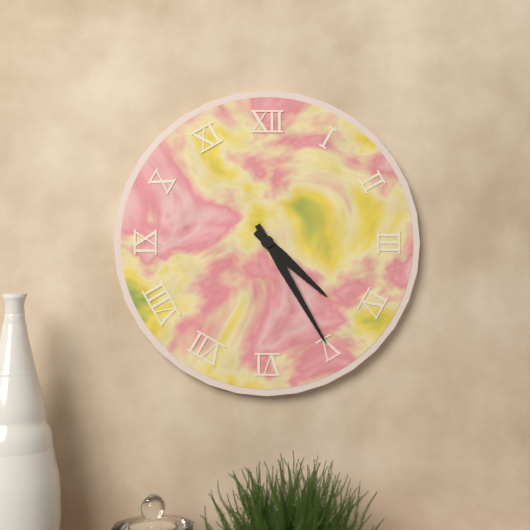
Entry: 4 h 25 min
